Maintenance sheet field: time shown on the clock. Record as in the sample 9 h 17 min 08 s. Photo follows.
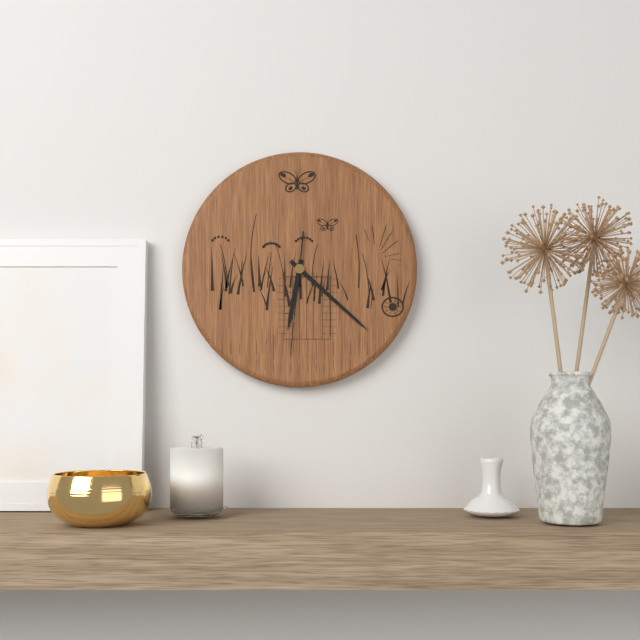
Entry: 6 h 22 min 31 s
